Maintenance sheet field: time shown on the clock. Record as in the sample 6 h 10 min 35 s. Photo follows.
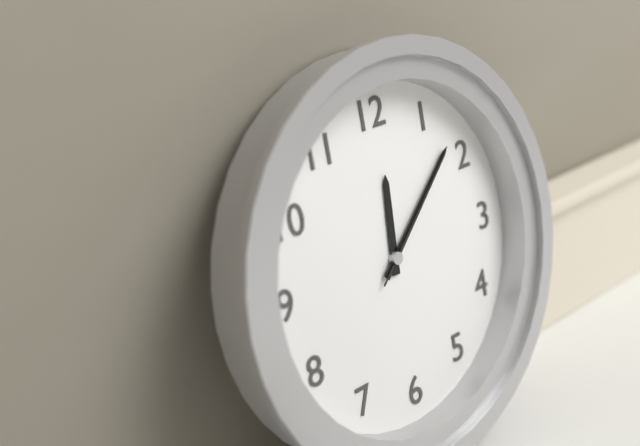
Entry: 12 h 08 min 08 s
